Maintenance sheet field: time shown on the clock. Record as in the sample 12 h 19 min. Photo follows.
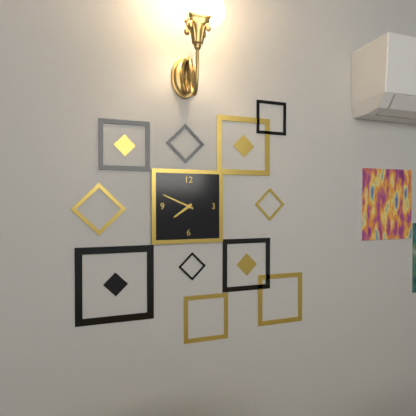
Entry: 7 h 49 min
